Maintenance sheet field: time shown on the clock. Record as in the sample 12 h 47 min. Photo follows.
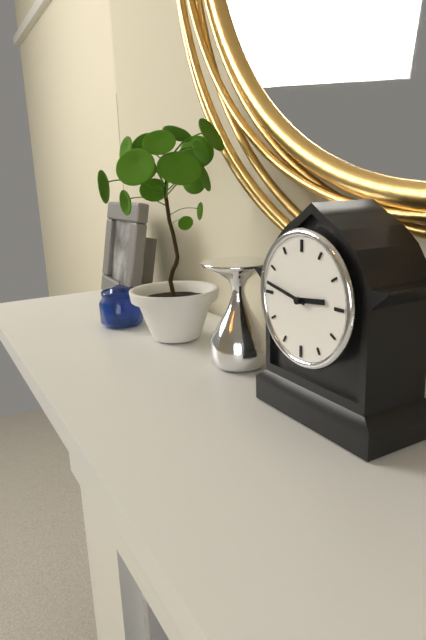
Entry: 2 h 47 min
